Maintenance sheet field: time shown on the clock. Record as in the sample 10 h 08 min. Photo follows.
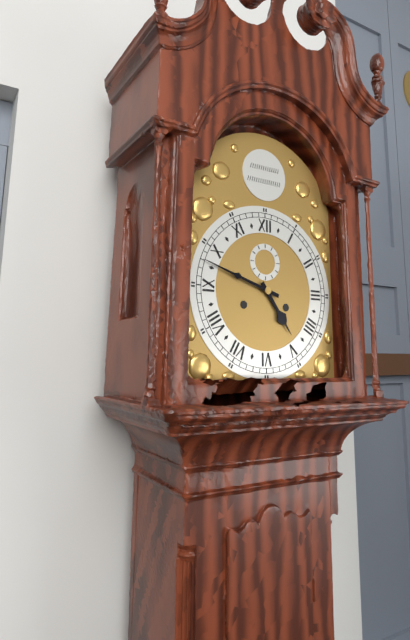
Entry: 4 h 48 min
